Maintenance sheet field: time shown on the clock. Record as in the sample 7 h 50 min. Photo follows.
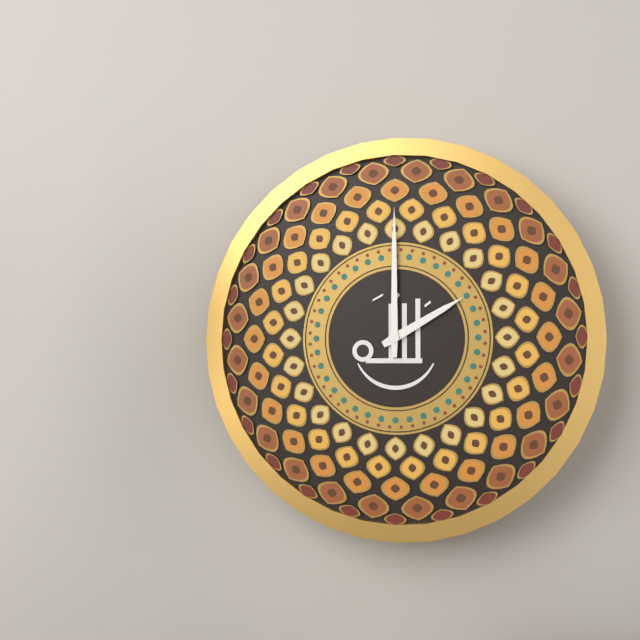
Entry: 2 h 00 min
